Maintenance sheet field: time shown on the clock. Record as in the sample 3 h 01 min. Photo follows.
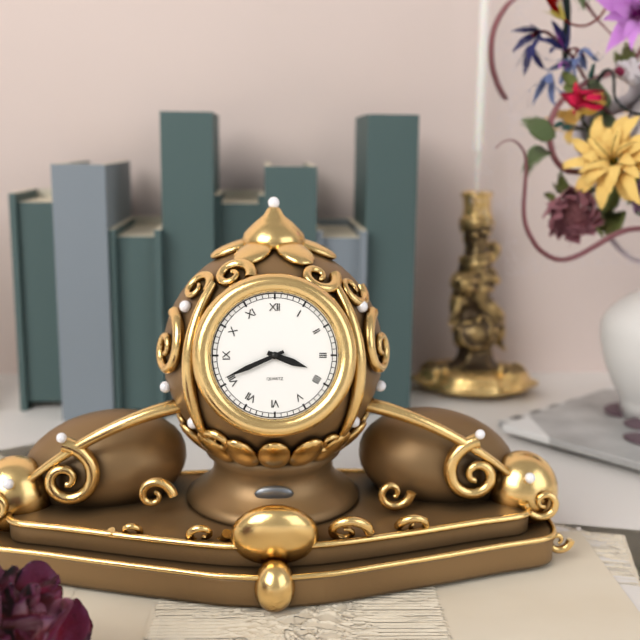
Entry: 3 h 41 min
